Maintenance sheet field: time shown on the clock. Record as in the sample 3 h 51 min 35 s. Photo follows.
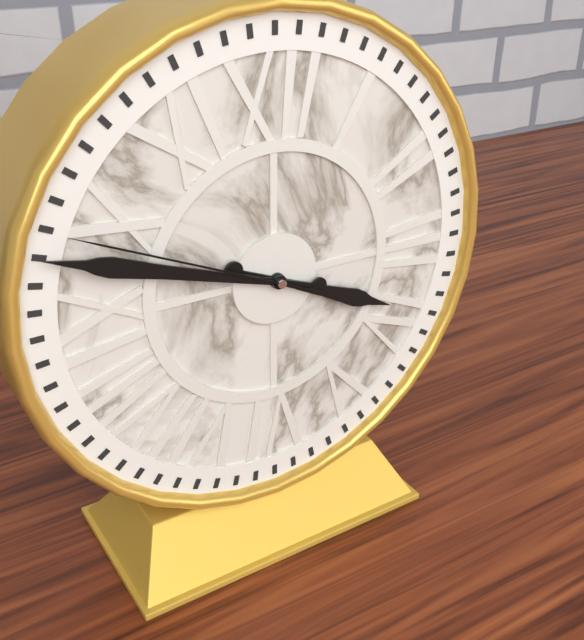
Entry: 3 h 48 min 49 s
